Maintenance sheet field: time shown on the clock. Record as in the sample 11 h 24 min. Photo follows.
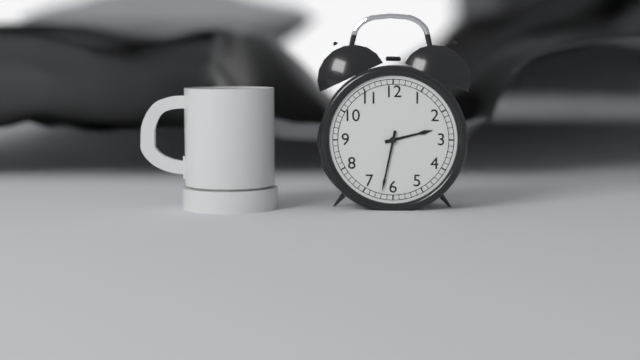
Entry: 2 h 32 min
